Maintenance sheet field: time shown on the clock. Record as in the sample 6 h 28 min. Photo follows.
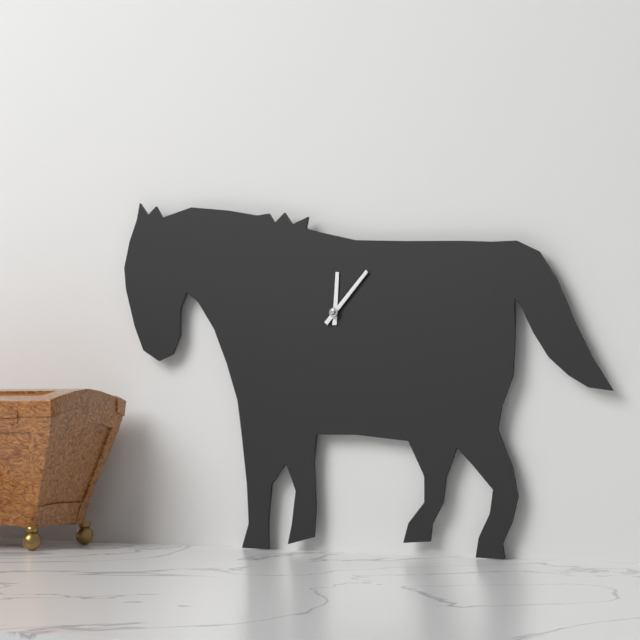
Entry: 12 h 07 min
